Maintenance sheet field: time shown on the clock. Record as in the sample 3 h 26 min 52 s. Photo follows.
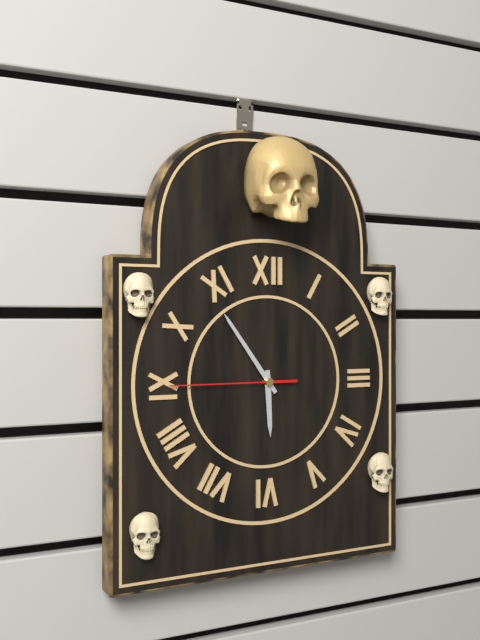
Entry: 5 h 54 min 45 s
